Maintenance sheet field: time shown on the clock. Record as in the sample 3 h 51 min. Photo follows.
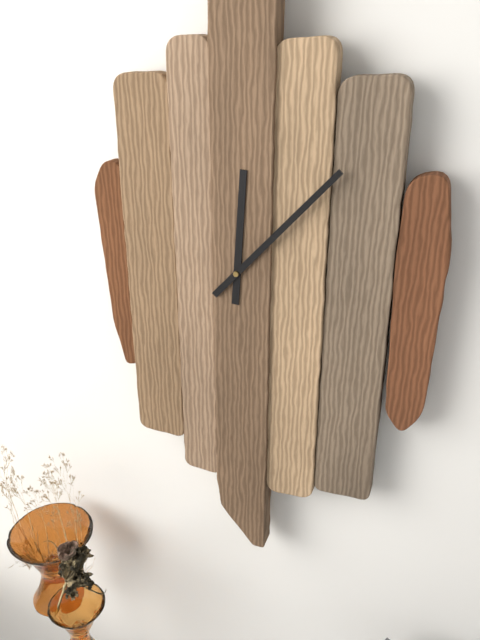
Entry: 12 h 07 min
